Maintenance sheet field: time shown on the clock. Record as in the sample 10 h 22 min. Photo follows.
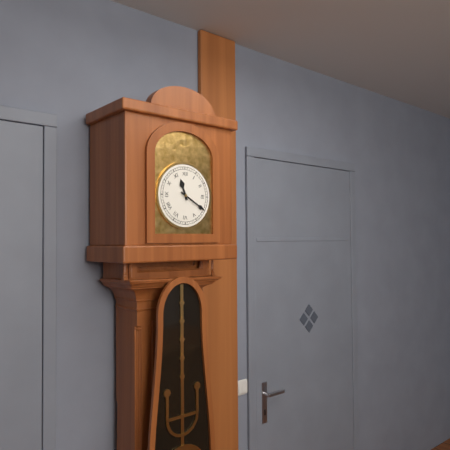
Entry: 11 h 20 min
